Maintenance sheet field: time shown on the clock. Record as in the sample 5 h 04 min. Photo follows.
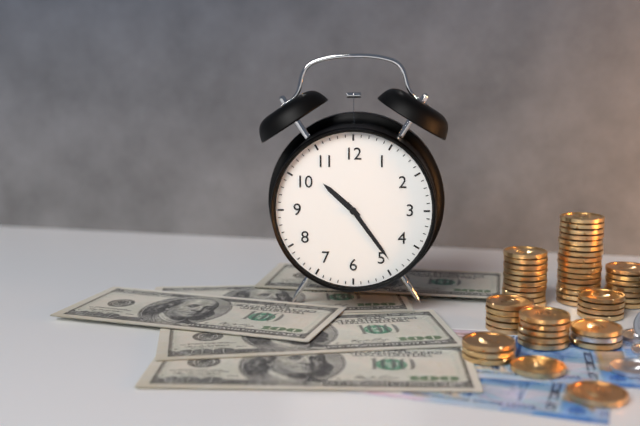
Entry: 10 h 24 min
